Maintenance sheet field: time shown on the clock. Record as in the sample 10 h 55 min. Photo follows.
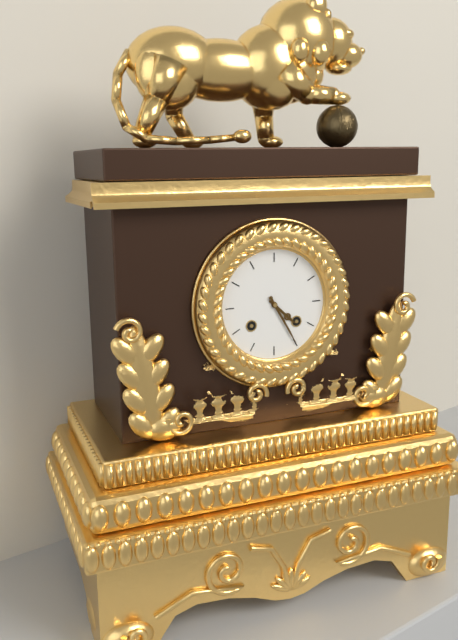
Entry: 4 h 25 min
